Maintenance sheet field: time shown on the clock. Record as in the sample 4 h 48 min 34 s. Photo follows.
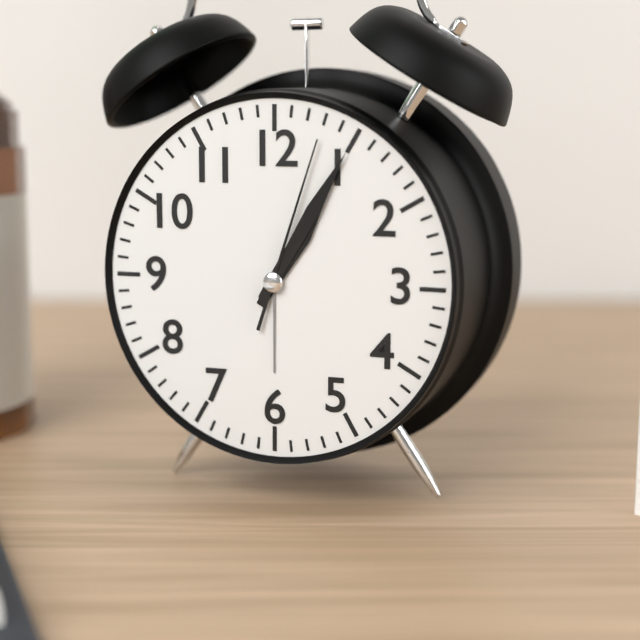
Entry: 1 h 05 min 03 s
